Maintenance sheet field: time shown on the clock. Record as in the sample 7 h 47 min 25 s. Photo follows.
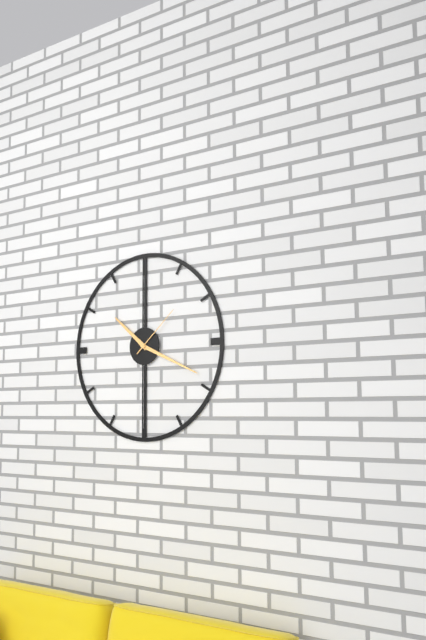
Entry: 10 h 19 min 08 s
